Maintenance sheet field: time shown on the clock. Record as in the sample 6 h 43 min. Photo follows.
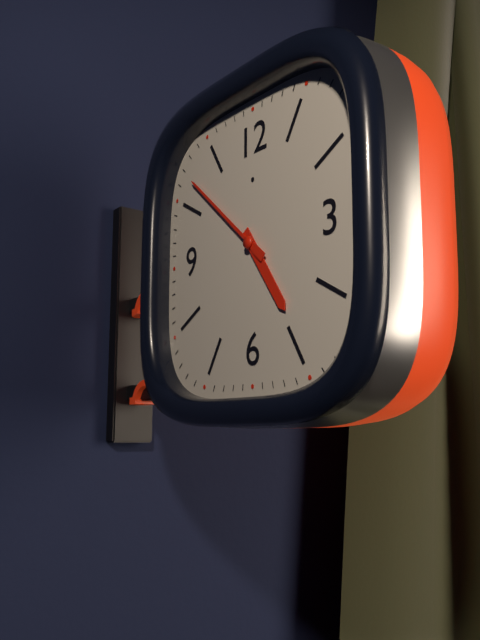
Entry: 4 h 52 min
